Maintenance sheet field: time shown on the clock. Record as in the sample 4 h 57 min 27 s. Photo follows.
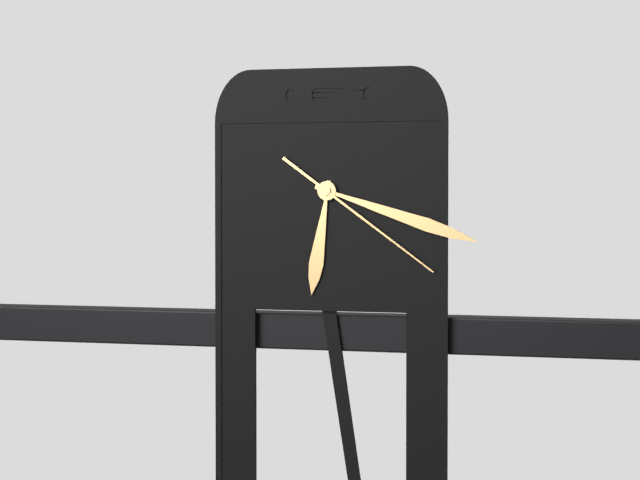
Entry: 6 h 18 min 21 s
